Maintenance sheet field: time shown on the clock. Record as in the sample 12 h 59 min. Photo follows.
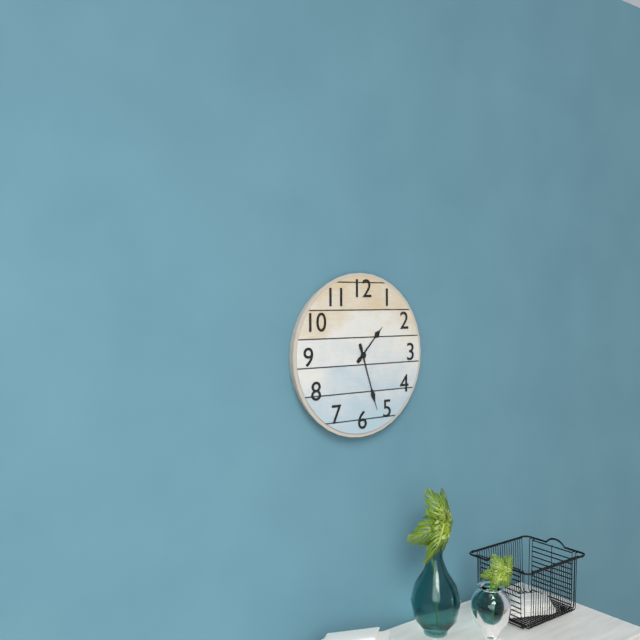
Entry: 1 h 27 min
